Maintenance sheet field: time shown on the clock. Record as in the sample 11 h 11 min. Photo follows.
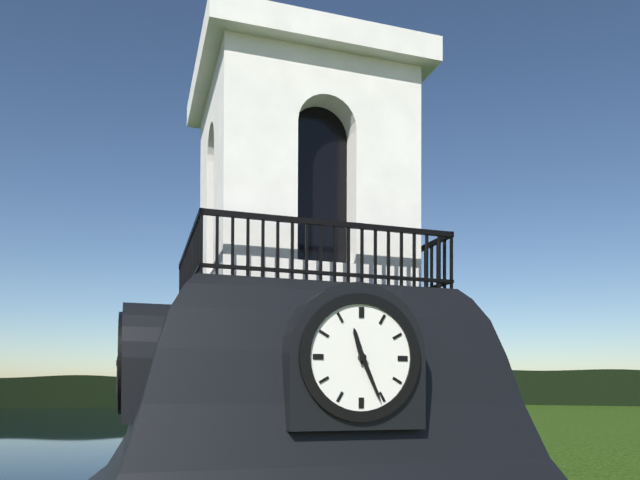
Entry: 11 h 26 min
